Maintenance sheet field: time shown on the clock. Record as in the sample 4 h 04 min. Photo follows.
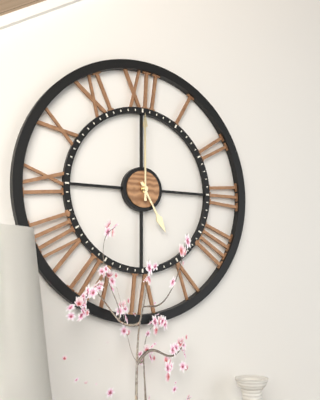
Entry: 5 h 00 min
